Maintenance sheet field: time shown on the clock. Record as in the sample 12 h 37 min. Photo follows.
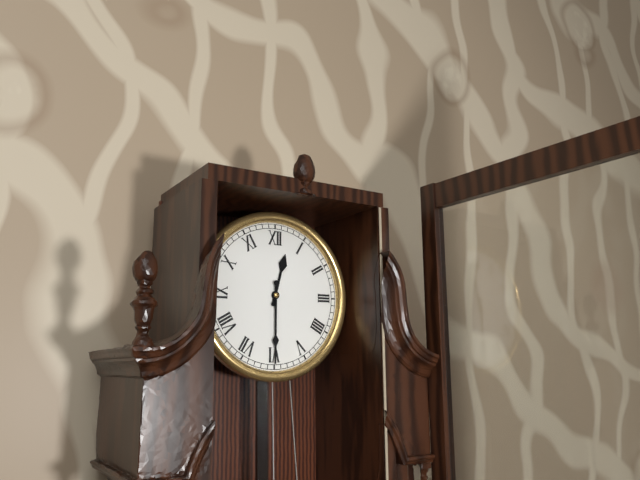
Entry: 12 h 30 min
